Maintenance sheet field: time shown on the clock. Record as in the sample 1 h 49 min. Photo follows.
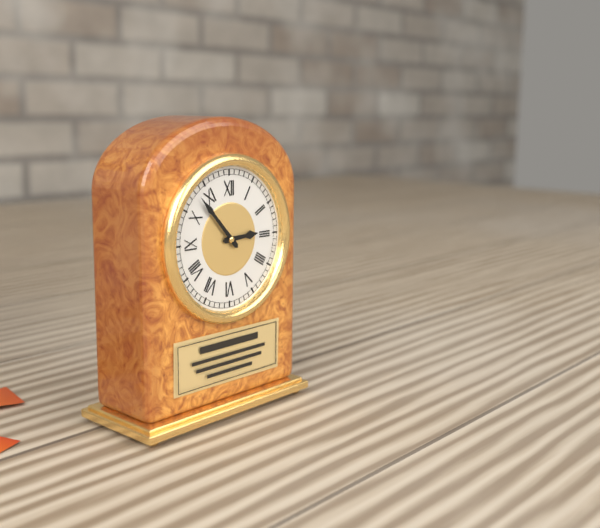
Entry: 2 h 53 min
